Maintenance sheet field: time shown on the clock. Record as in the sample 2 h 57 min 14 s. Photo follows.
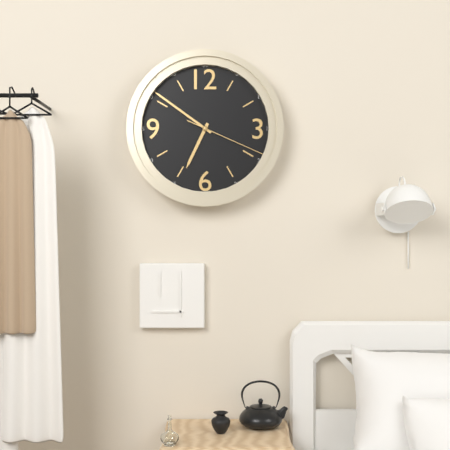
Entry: 6 h 51 min 19 s
